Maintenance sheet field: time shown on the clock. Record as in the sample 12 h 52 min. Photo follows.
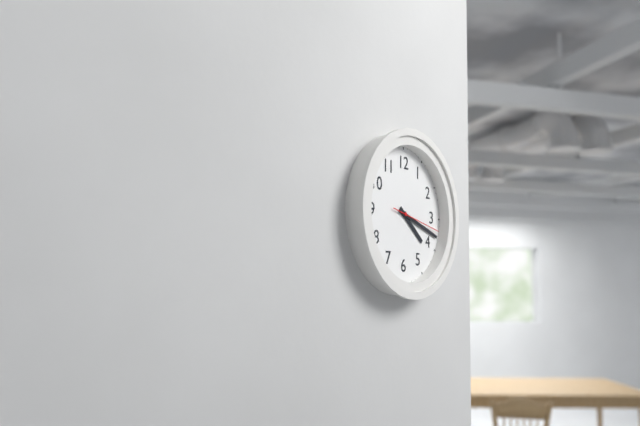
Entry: 4 h 18 min
